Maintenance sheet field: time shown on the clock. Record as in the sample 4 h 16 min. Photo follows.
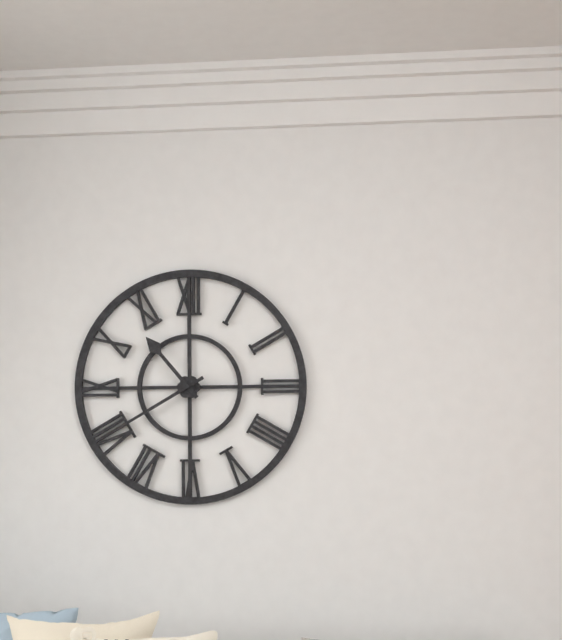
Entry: 10 h 40 min
